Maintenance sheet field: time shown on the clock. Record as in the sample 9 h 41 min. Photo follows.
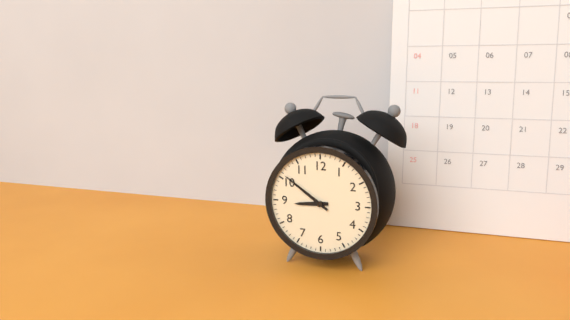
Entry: 8 h 51 min
